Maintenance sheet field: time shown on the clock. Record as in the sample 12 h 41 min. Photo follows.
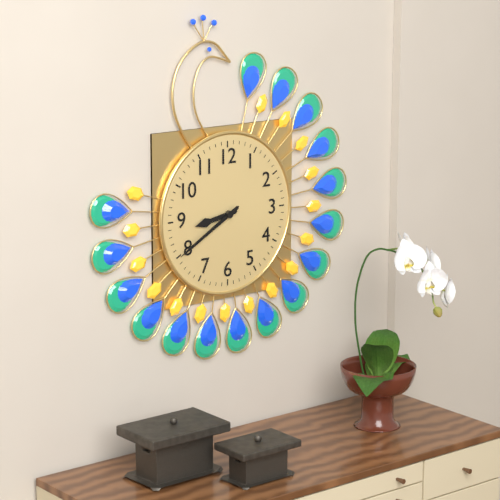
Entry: 8 h 40 min
